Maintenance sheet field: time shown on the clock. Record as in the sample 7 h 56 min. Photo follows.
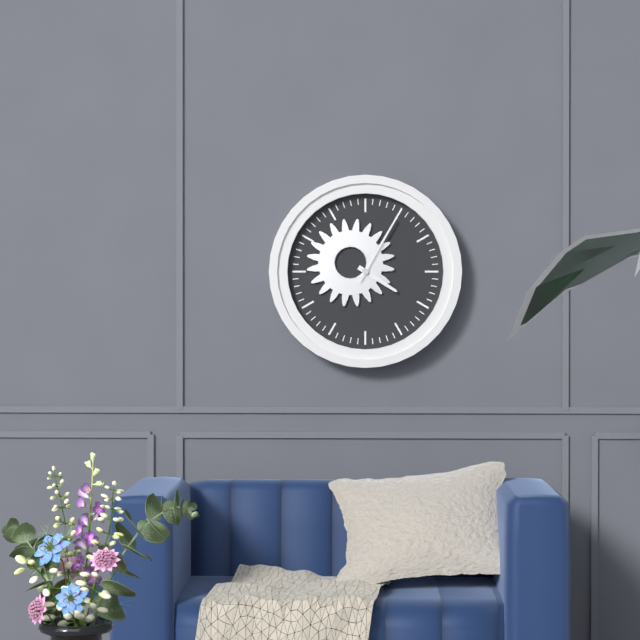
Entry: 4 h 05 min
